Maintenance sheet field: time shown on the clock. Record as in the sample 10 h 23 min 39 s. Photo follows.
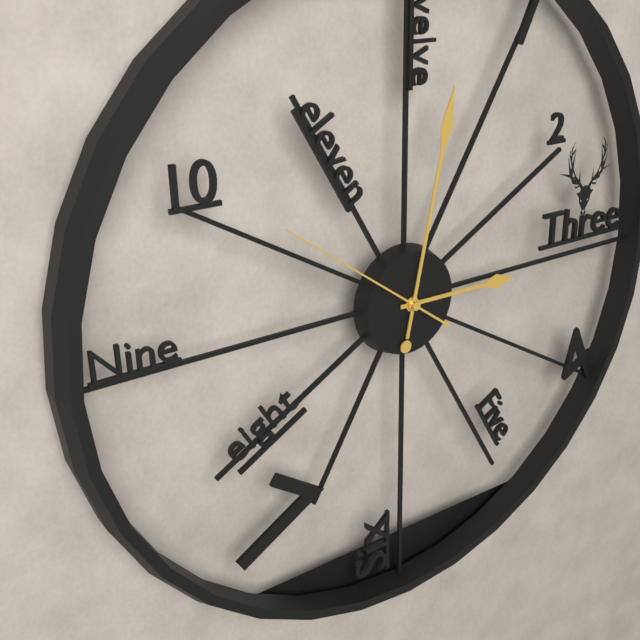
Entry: 3 h 02 min 51 s
